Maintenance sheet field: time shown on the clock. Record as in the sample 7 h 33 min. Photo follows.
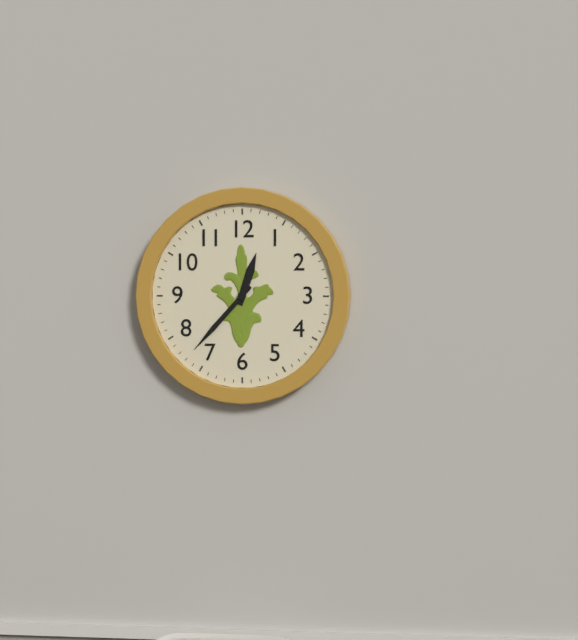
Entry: 12 h 37 min
